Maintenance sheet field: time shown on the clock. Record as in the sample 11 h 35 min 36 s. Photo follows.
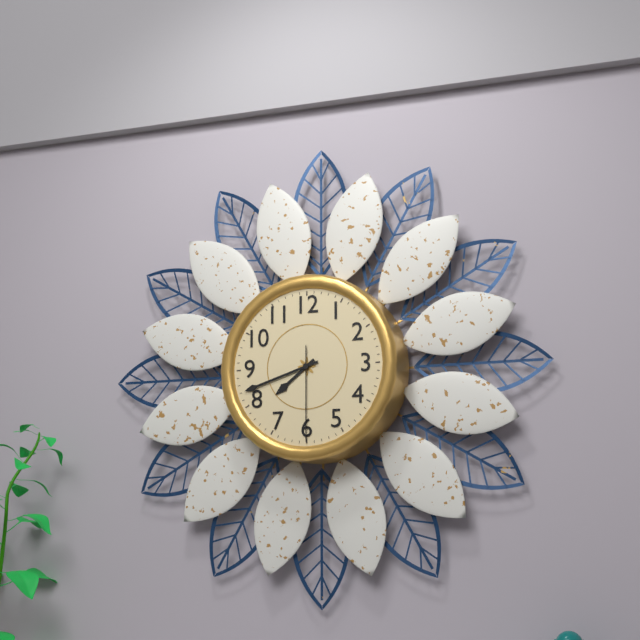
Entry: 7 h 42 min 30 s
